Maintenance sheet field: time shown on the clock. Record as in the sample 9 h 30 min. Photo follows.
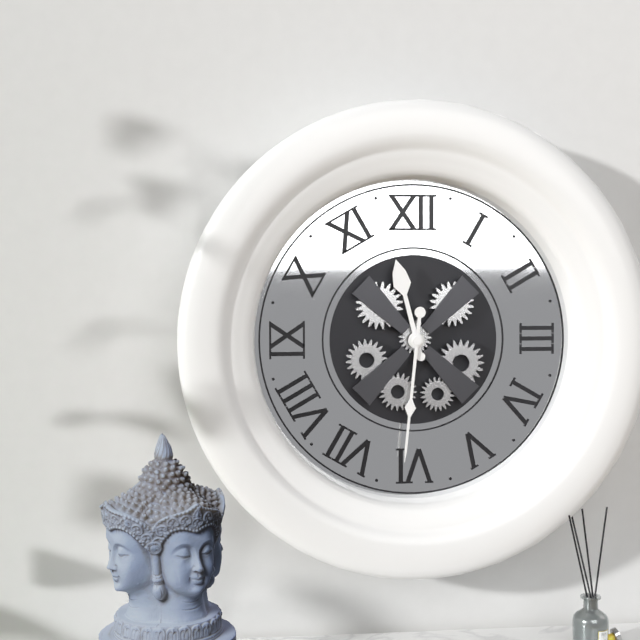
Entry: 11 h 31 min
